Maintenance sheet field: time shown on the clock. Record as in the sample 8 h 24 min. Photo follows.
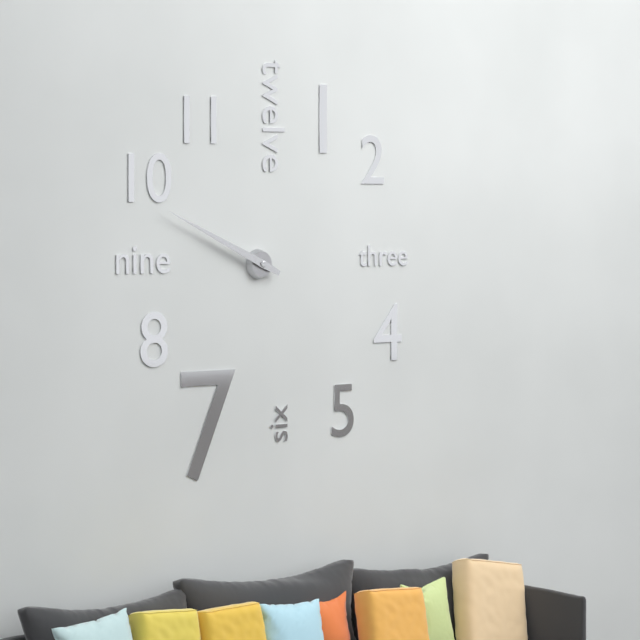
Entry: 9 h 49 min
